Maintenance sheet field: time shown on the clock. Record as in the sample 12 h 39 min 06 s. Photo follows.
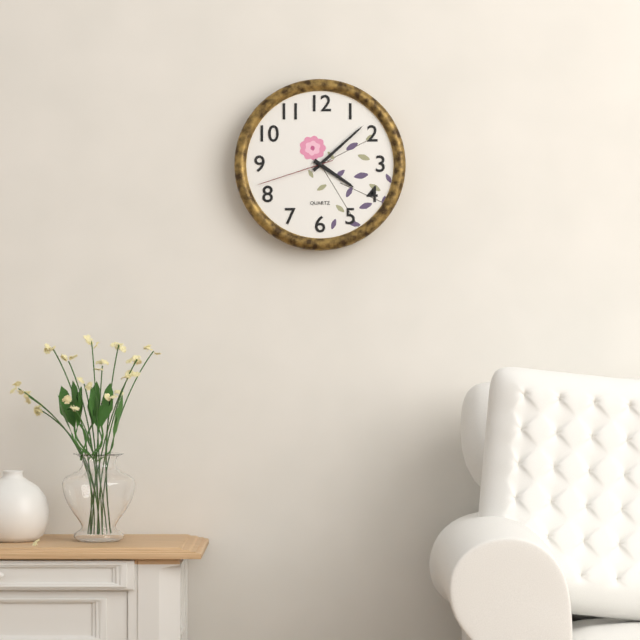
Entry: 4 h 08 min 42 s
